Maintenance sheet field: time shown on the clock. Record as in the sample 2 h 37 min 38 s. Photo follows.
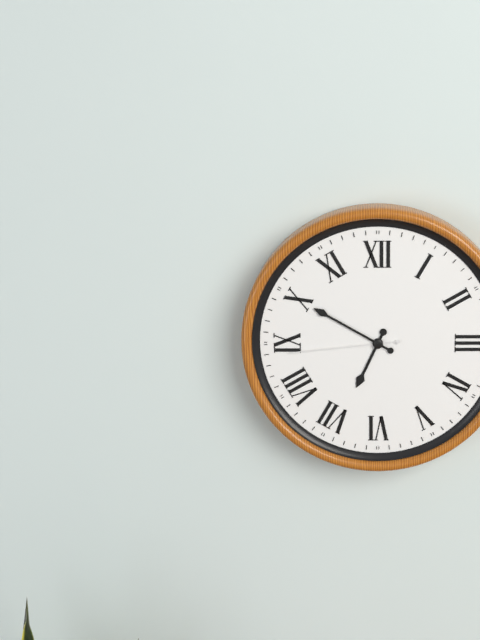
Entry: 6 h 50 min 44 s
